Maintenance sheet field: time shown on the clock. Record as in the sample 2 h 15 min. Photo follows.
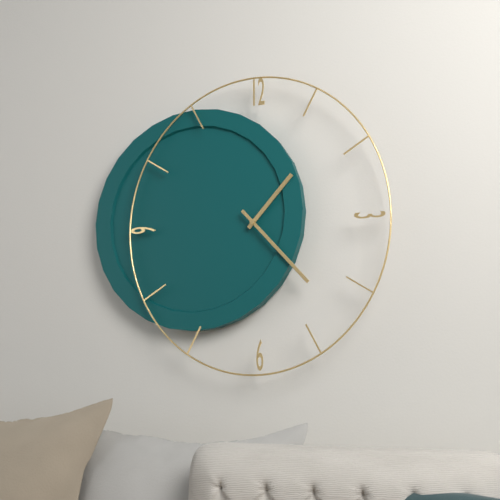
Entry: 1 h 23 min
